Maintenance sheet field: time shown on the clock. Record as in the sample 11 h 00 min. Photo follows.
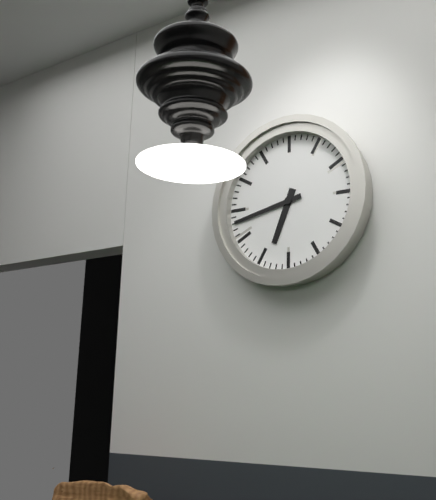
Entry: 6 h 43 min
